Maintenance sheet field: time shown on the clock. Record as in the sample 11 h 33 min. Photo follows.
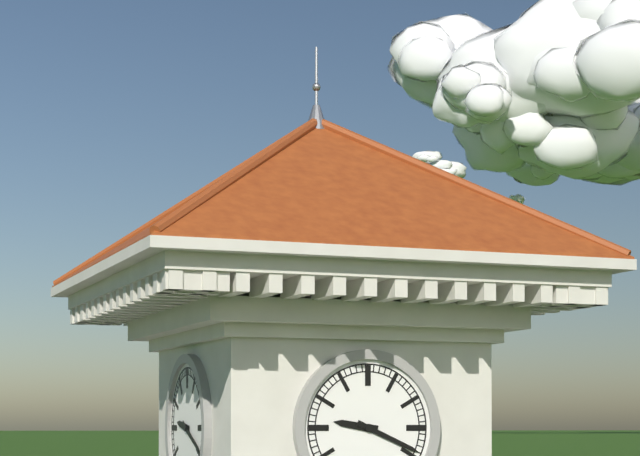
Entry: 9 h 19 min
